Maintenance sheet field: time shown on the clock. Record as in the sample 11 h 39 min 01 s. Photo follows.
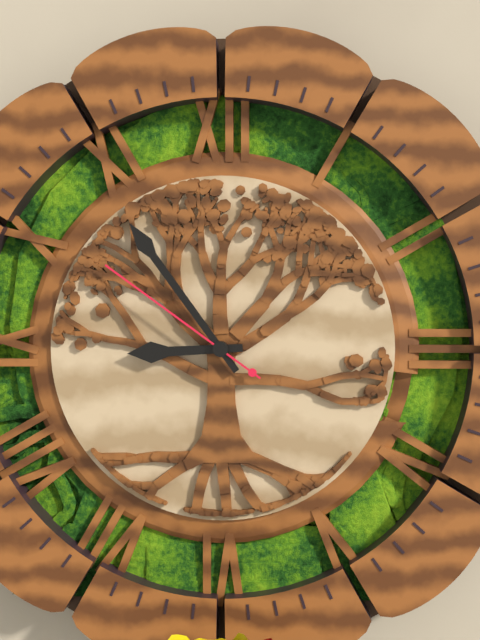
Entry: 8 h 54 min 51 s
